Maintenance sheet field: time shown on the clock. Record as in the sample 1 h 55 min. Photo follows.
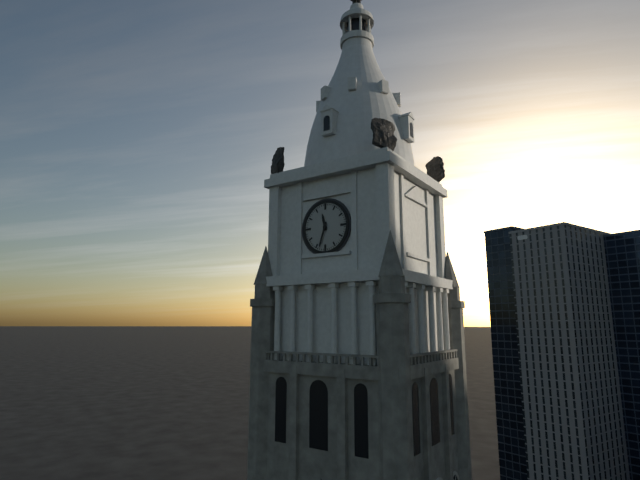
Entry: 11 h 33 min
